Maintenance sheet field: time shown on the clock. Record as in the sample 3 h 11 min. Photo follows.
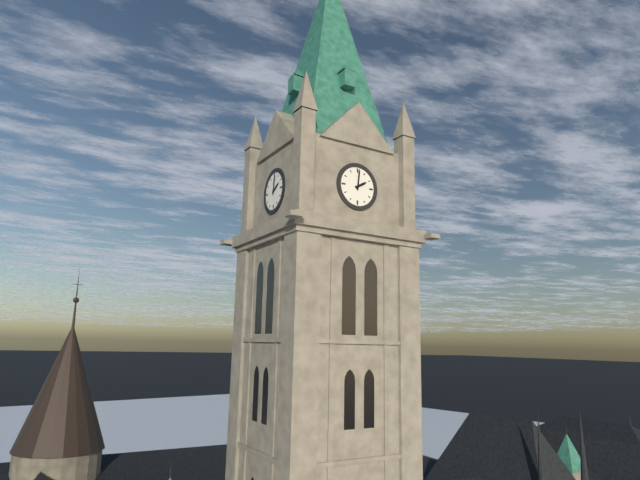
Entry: 2 h 01 min
